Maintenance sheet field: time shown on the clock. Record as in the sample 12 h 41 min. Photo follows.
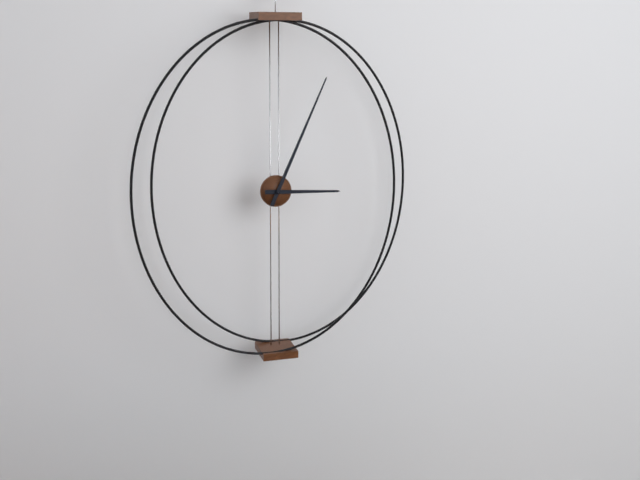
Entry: 3 h 04 min
